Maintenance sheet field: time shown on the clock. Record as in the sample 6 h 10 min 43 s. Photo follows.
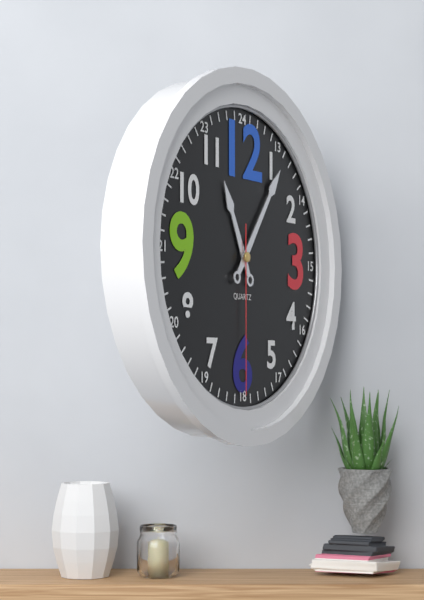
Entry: 11 h 06 min 30 s
